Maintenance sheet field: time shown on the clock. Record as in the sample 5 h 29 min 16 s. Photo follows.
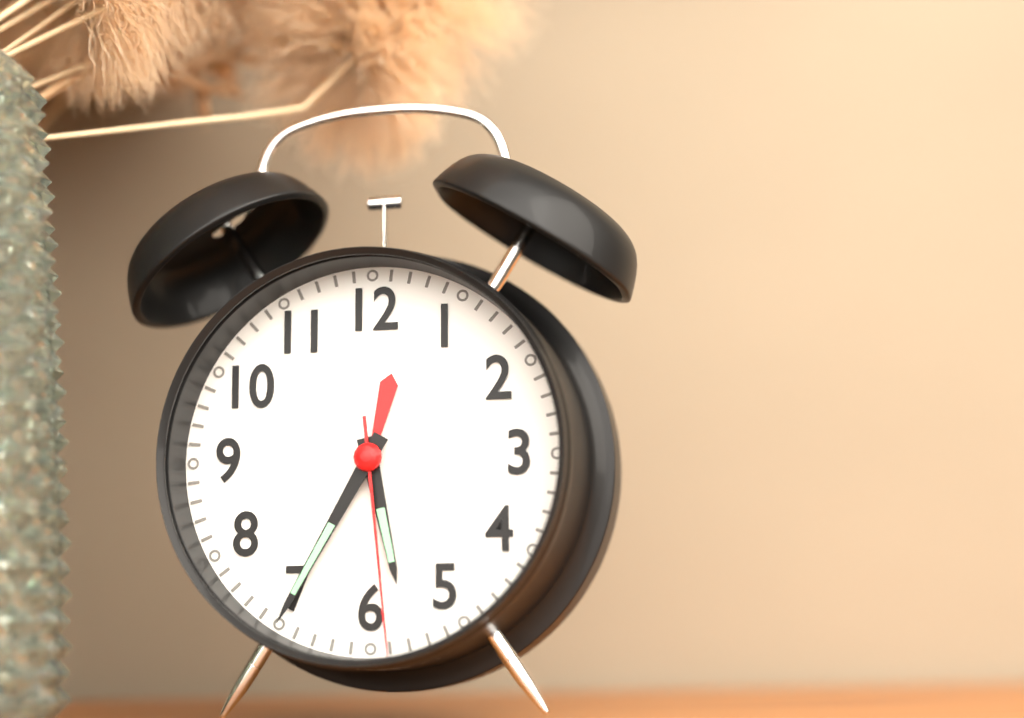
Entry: 5 h 35 min 29 s
